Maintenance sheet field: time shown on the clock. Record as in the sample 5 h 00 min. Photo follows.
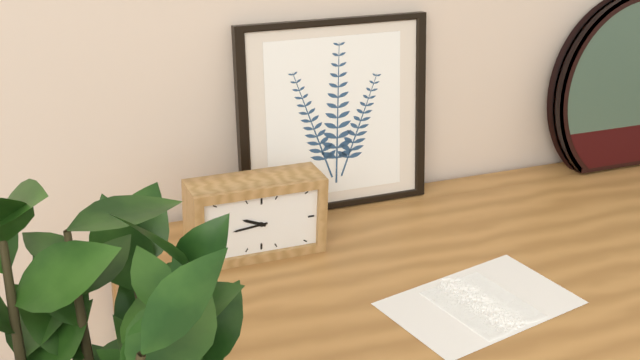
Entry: 9 h 44 min
